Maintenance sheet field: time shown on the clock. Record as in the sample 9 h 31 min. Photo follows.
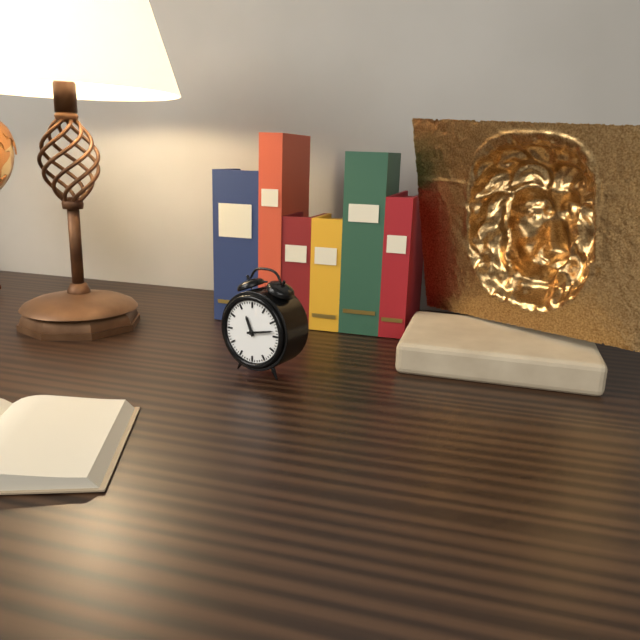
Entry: 11 h 13 min
